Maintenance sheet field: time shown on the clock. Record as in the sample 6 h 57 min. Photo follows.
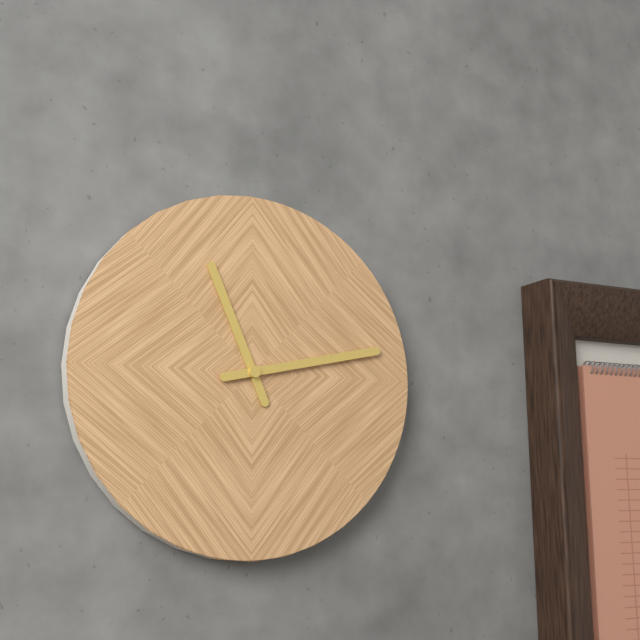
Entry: 11 h 13 min
